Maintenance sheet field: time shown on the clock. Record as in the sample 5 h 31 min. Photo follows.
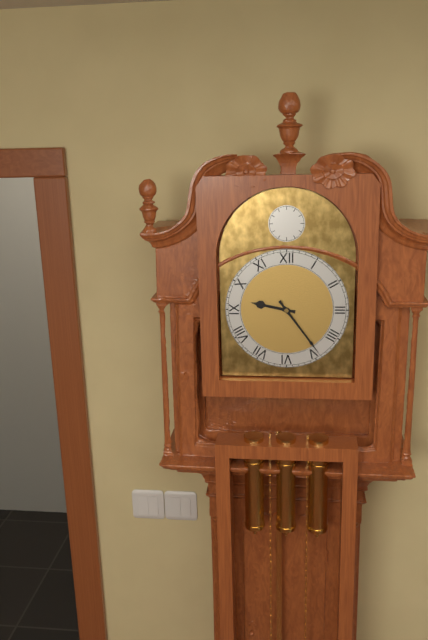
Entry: 9 h 24 min
